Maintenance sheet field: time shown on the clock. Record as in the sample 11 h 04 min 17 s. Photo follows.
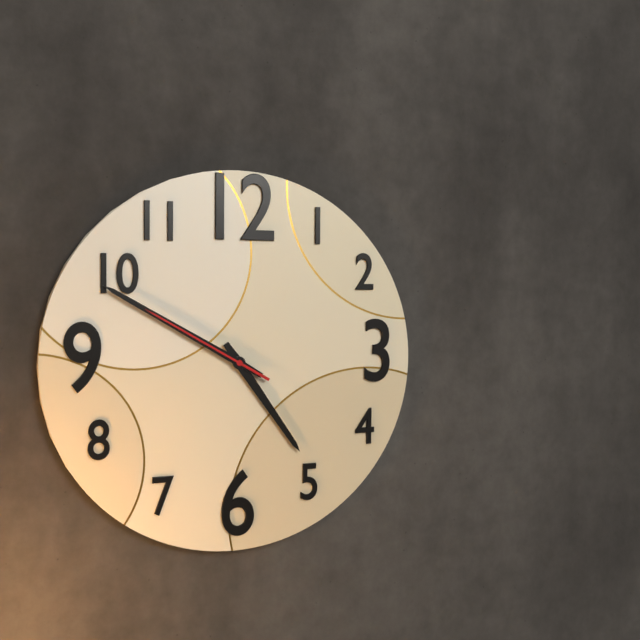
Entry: 4 h 50 min 50 s
